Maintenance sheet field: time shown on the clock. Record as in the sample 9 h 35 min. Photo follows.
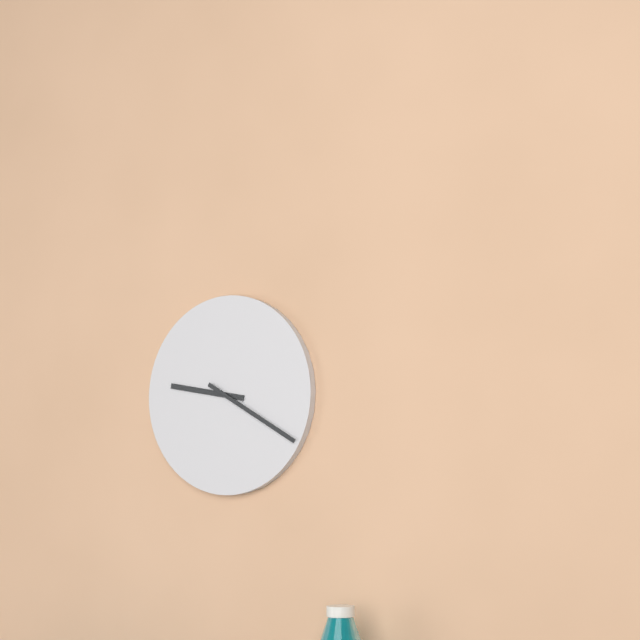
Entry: 9 h 20 min
